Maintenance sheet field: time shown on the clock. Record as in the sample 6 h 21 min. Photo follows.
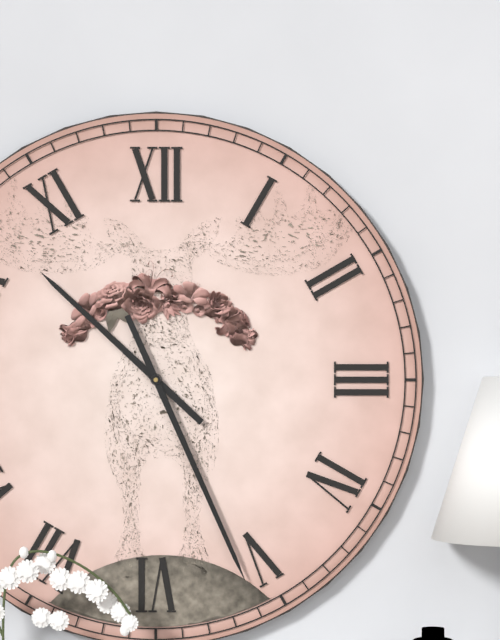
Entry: 10 h 26 min
